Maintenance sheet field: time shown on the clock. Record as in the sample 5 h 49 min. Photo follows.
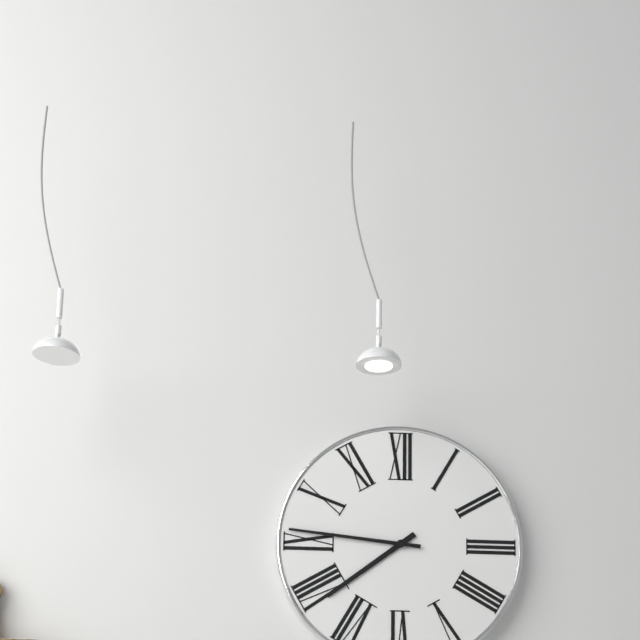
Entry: 7 h 46 min
